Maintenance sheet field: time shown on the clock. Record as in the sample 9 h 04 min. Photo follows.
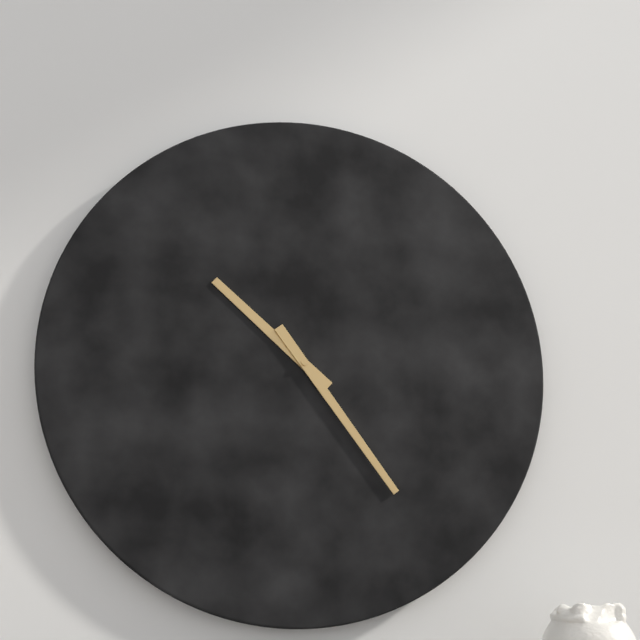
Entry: 10 h 24 min
